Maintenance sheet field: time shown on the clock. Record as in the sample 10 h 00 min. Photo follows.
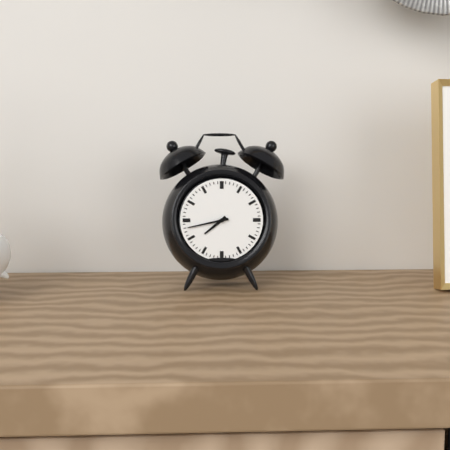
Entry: 7 h 43 min
